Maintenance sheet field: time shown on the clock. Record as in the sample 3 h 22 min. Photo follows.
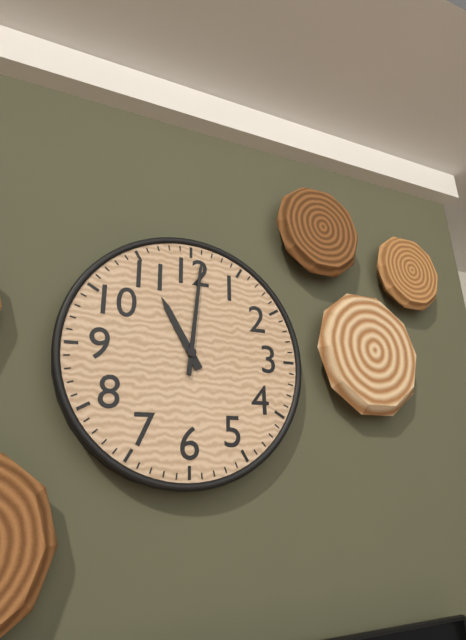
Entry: 11 h 01 min
